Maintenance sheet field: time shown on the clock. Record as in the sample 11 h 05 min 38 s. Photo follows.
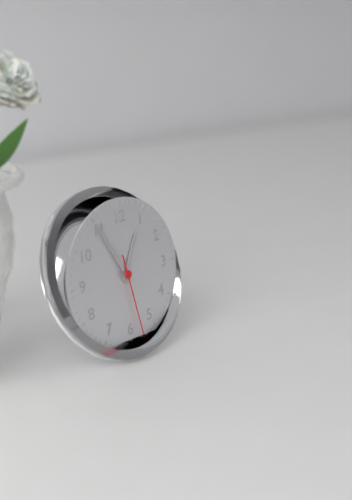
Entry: 12 h 55 min 28 s
